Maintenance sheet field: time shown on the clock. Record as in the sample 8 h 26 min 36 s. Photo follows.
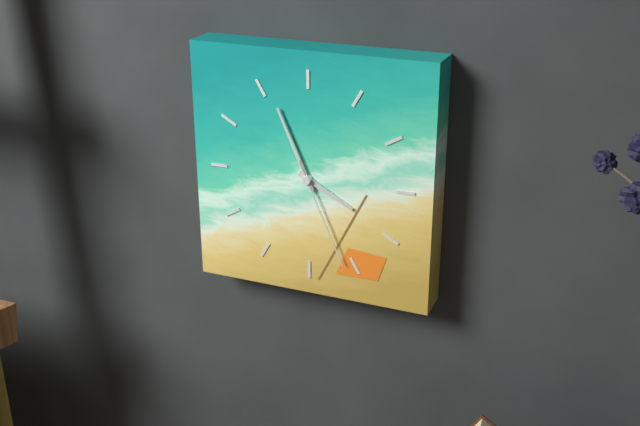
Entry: 3 h 56 min 26 s
